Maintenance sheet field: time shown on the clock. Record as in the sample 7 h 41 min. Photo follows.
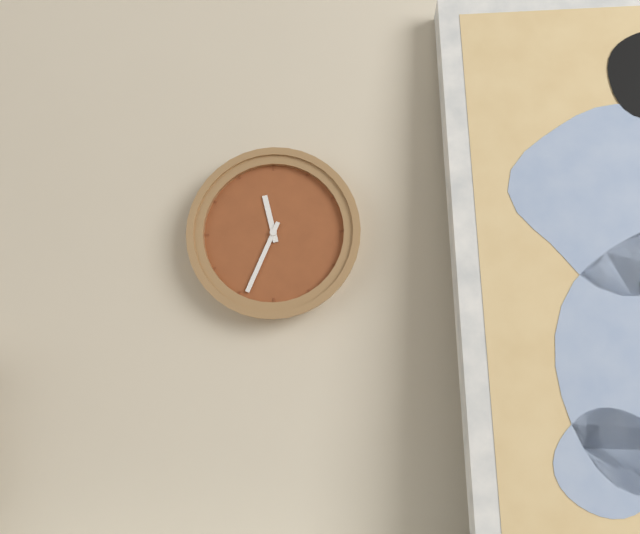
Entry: 11 h 34 min
